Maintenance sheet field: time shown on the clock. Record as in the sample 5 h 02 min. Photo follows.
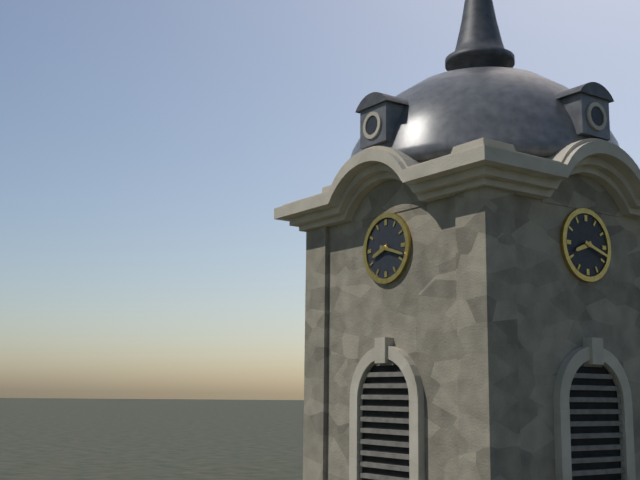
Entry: 8 h 18 min
